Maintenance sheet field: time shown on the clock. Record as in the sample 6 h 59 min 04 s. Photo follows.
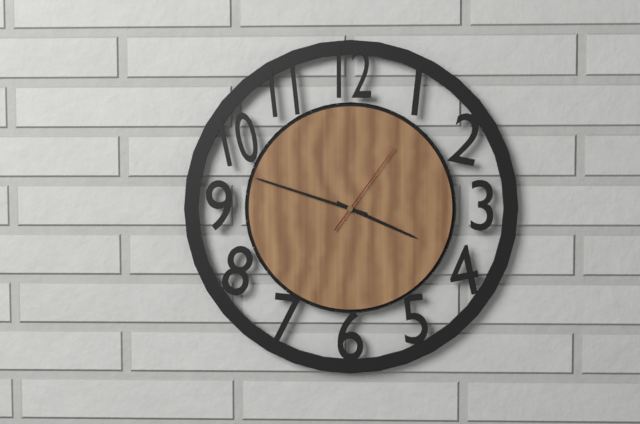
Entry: 3 h 48 min 06 s
